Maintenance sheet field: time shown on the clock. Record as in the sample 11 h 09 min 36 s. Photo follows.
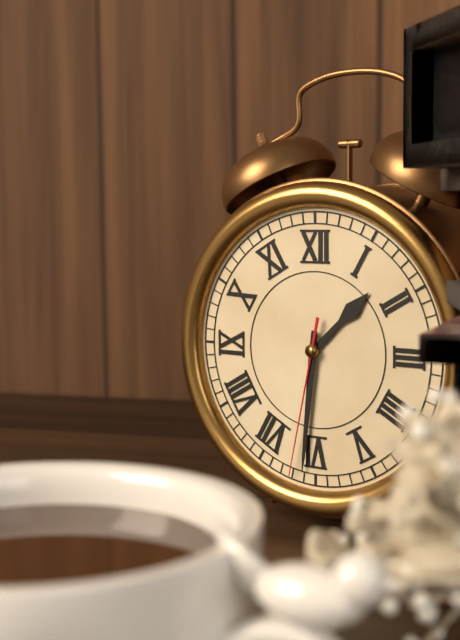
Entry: 1 h 31 min 32 s
